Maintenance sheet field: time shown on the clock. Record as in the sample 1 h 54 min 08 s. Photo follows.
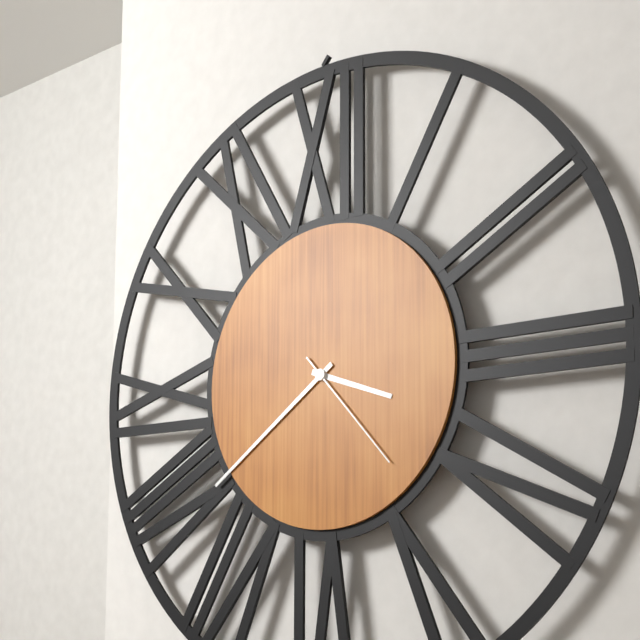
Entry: 3 h 39 min 23 s
